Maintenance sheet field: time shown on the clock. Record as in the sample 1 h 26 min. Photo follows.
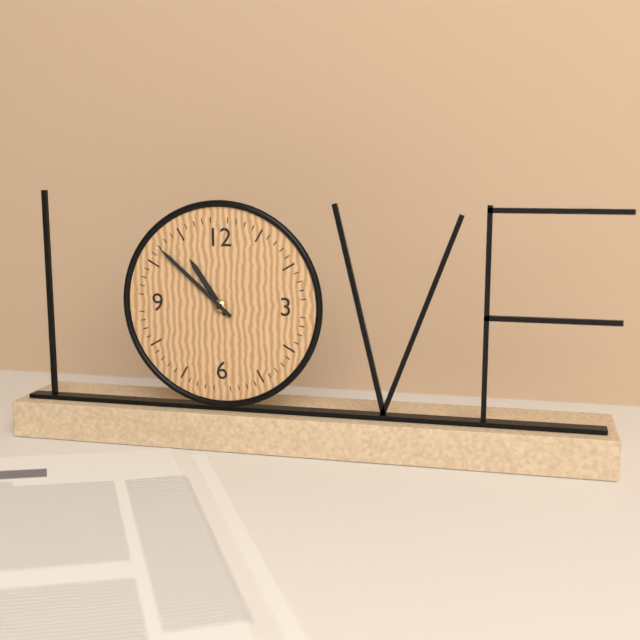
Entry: 10 h 52 min
